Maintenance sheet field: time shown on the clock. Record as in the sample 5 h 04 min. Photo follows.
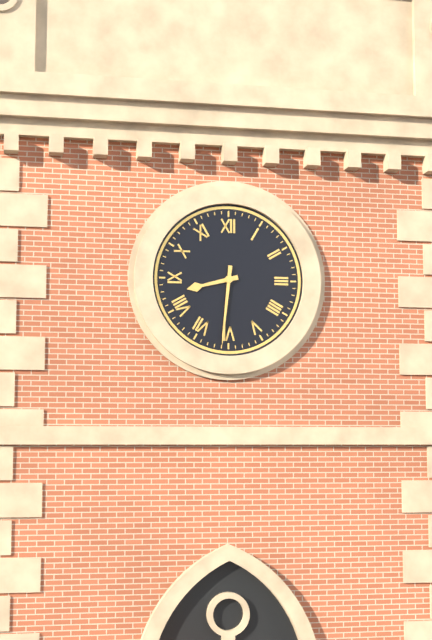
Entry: 8 h 31 min
